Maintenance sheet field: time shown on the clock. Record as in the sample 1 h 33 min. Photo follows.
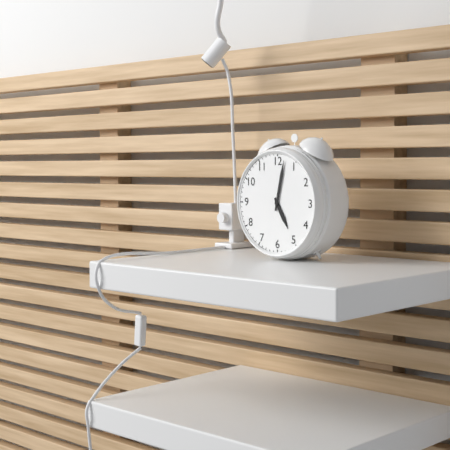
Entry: 5 h 02 min
